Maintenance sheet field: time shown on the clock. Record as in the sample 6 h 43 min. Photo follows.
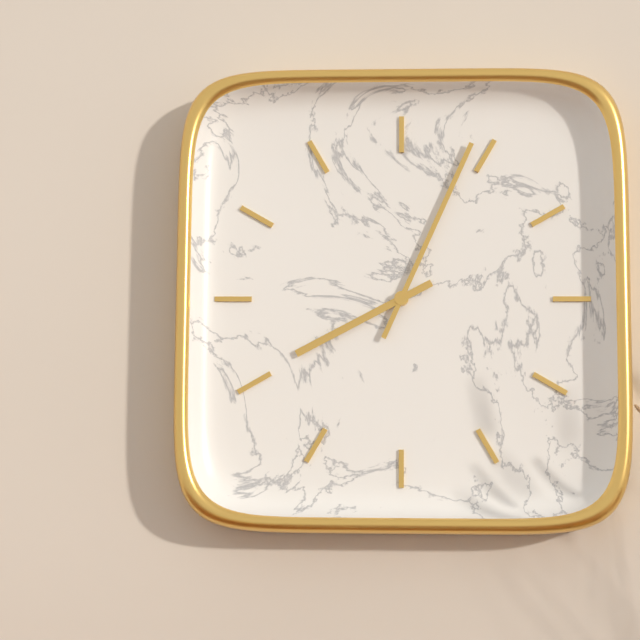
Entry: 8 h 04 min
